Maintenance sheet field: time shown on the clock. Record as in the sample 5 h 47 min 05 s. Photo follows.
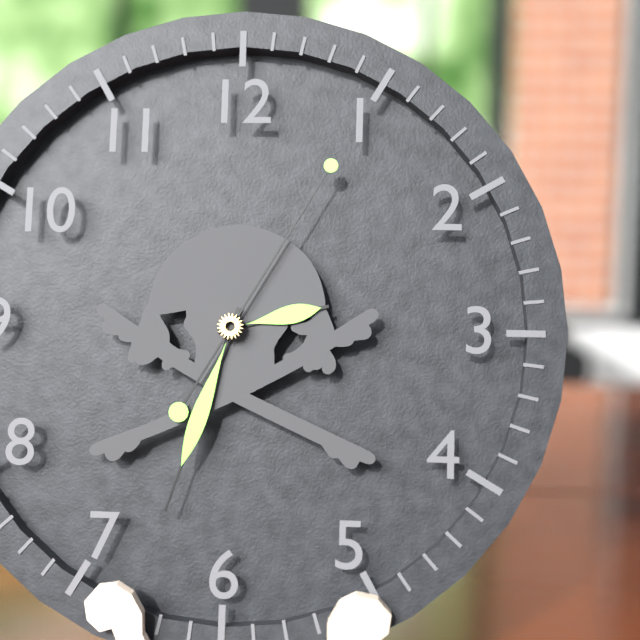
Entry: 2 h 33 min 05 s
